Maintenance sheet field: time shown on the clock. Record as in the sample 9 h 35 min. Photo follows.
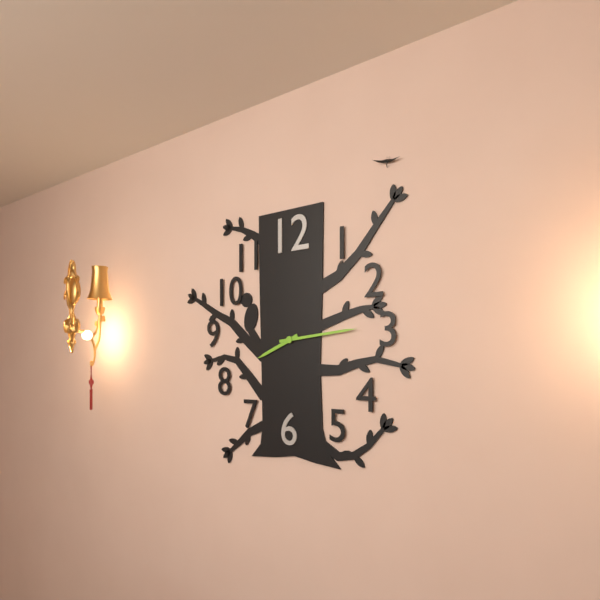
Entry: 8 h 14 min
